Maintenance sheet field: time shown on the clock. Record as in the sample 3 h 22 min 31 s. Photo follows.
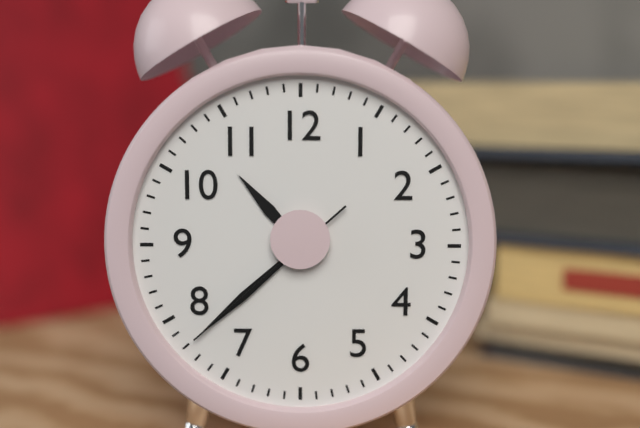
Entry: 10 h 38 min 38 s
